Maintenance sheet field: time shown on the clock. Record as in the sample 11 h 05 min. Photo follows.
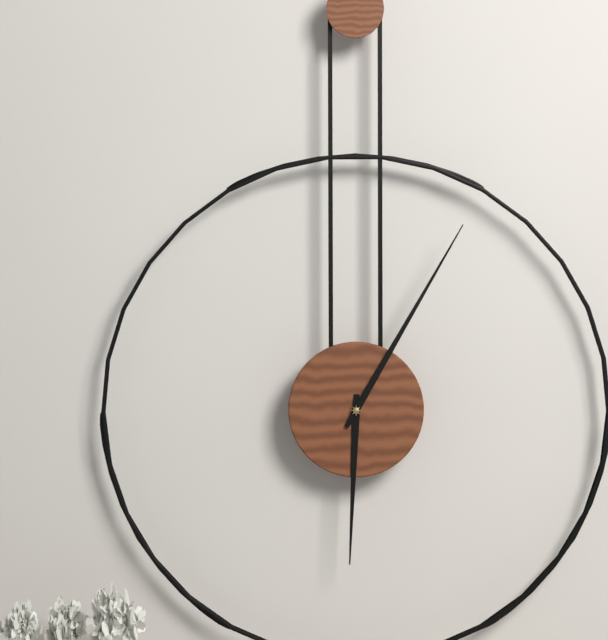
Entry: 6 h 05 min
